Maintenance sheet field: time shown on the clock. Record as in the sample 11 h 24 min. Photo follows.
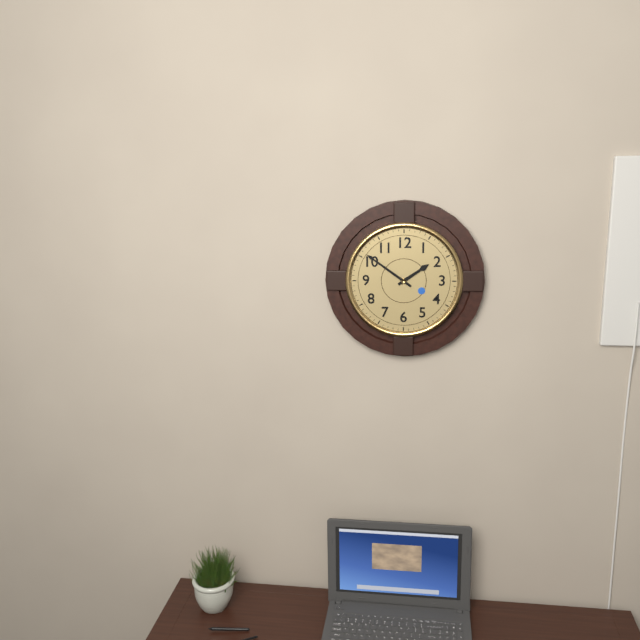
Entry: 1 h 51 min
